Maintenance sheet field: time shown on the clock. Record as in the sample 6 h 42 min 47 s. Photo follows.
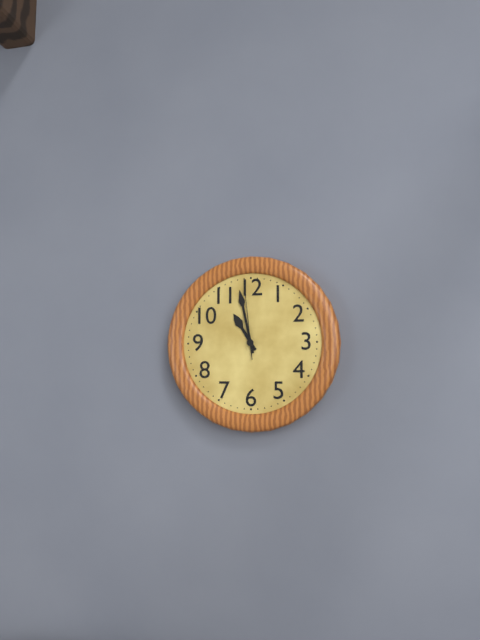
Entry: 10 h 58 min 59 s
